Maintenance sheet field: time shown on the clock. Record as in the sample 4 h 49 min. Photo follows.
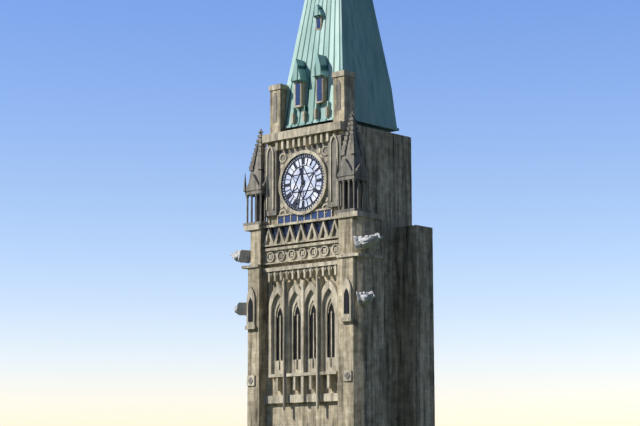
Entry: 11 h 34 min
